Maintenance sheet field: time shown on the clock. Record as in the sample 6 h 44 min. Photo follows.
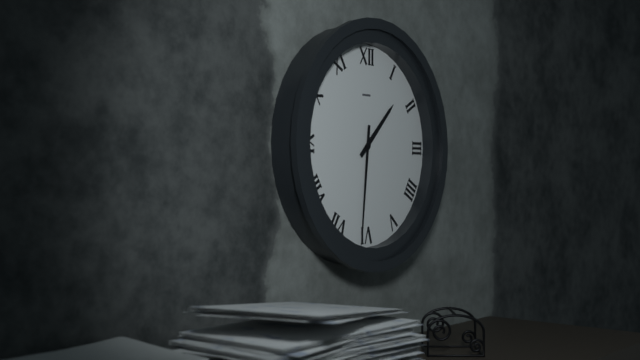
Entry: 1 h 31 min
